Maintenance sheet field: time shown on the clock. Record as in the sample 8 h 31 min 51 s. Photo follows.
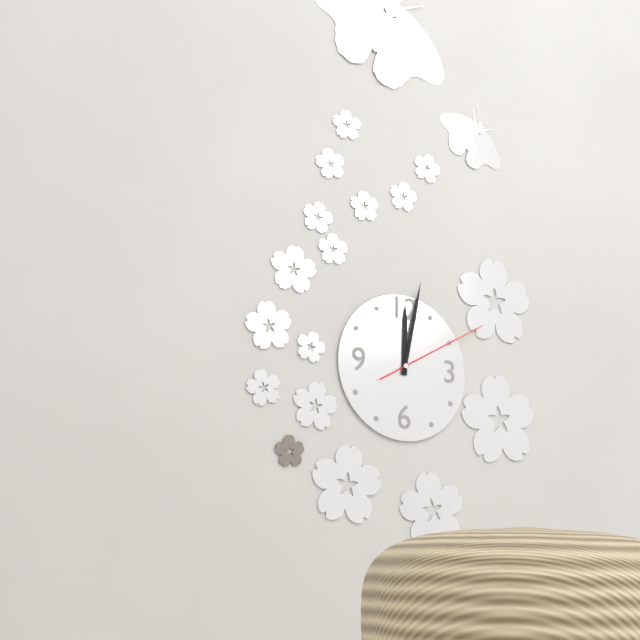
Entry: 12 h 02 min 10 s
